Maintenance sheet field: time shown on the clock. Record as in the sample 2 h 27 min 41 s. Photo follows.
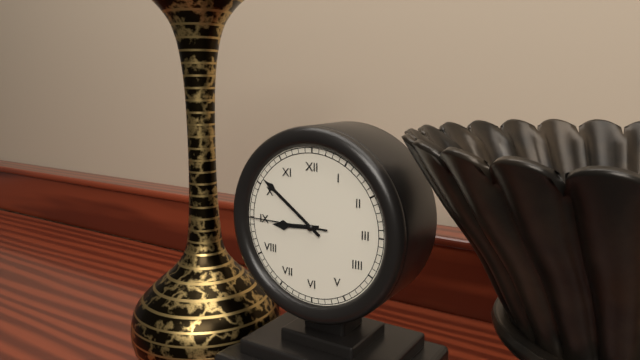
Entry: 8 h 51 min 45 s
